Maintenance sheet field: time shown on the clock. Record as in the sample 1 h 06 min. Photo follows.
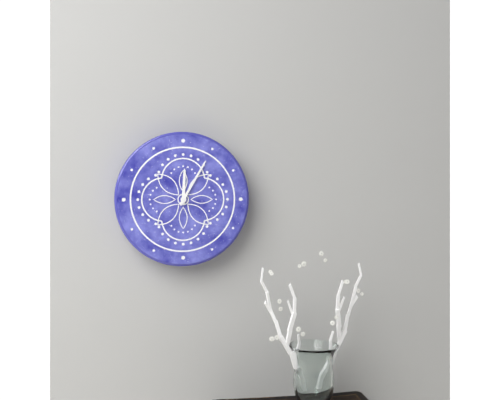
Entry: 12 h 05 min
